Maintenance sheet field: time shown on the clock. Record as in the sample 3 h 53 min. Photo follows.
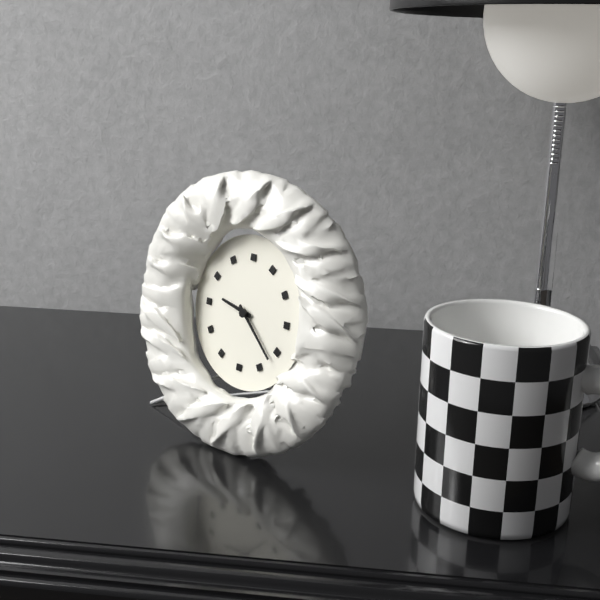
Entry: 9 h 22 min
